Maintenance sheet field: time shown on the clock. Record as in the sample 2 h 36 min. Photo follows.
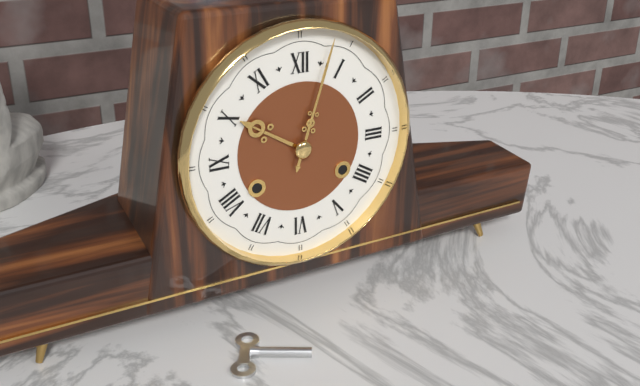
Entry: 10 h 03 min
